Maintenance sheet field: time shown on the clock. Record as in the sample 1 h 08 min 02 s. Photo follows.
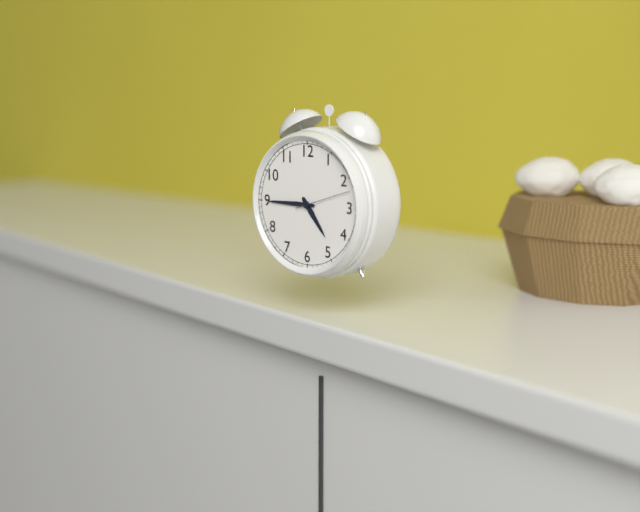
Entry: 4 h 45 min 12 s
